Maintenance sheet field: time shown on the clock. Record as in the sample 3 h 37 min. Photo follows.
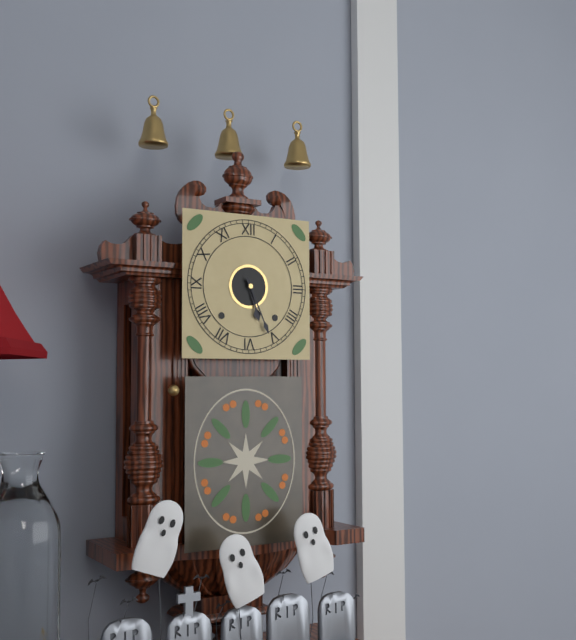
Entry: 5 h 26 min
